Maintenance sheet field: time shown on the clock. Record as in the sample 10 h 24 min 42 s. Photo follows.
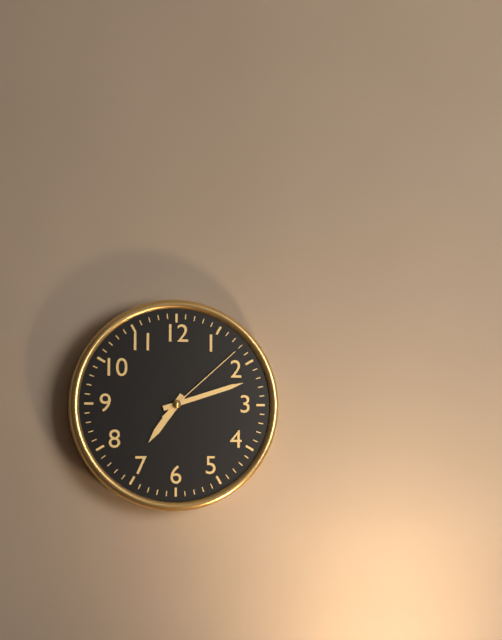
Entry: 7 h 12 min 08 s
